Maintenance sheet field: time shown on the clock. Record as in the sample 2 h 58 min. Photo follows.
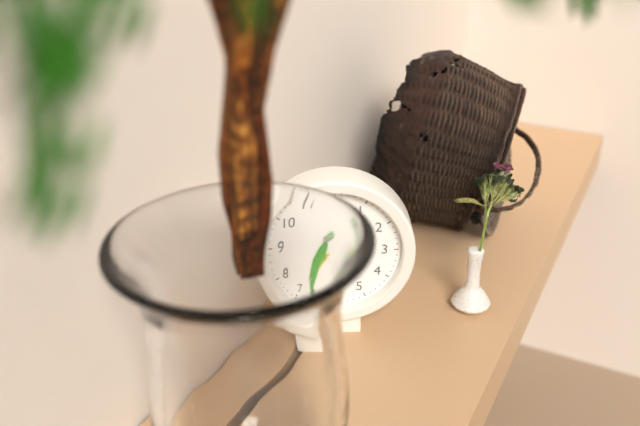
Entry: 6 h 31 min
